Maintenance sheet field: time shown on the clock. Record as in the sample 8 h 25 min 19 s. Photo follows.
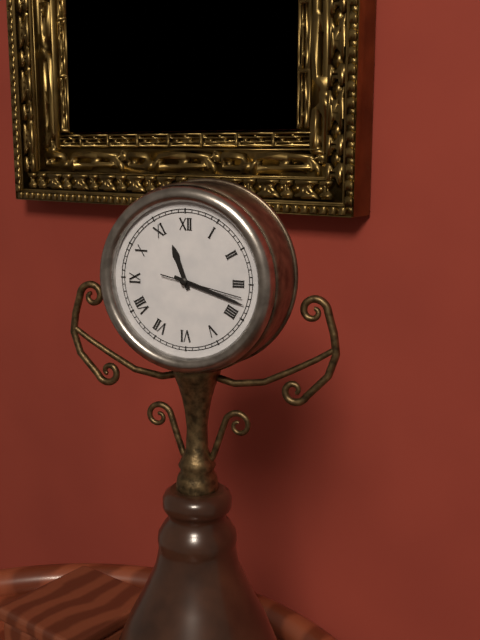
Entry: 11 h 18 min 17 s
